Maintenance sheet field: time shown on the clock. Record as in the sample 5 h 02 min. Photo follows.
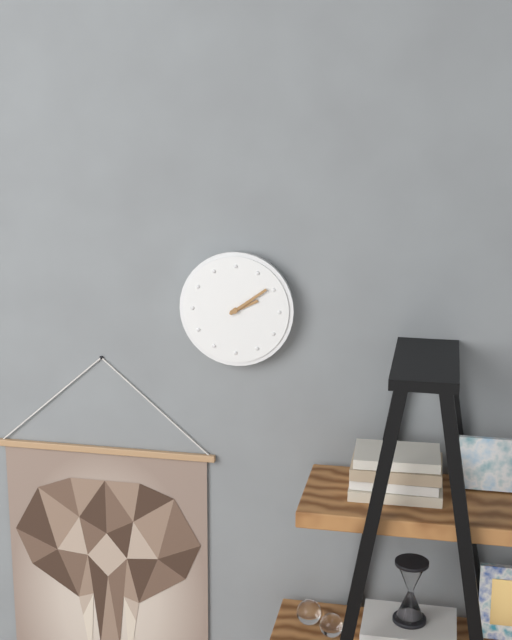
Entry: 2 h 09 min
